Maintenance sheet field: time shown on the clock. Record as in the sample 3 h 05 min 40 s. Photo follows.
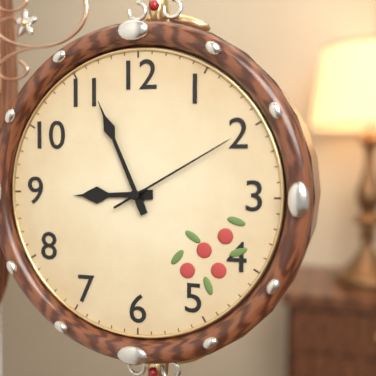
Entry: 8 h 56 min 10 s
